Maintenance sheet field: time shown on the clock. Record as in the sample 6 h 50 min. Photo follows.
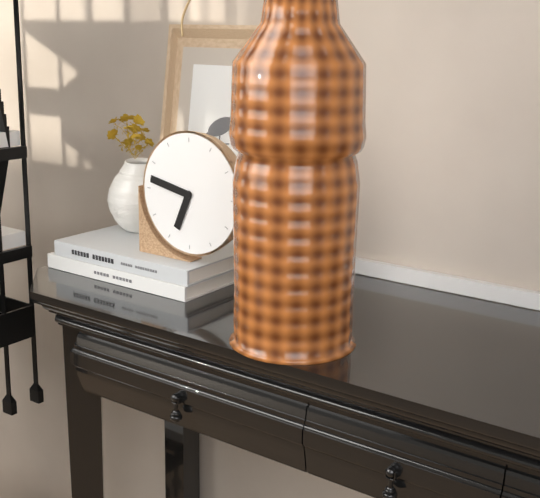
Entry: 6 h 47 min
